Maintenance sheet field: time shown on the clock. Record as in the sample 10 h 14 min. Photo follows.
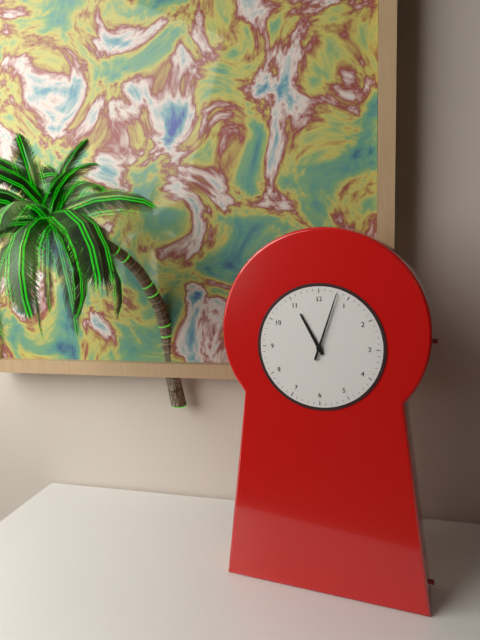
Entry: 11 h 03 min
